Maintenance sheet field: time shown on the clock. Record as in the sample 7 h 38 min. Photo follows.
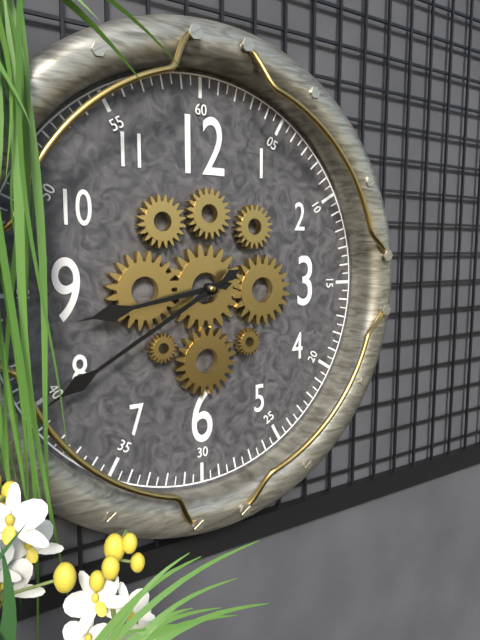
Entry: 8 h 40 min
